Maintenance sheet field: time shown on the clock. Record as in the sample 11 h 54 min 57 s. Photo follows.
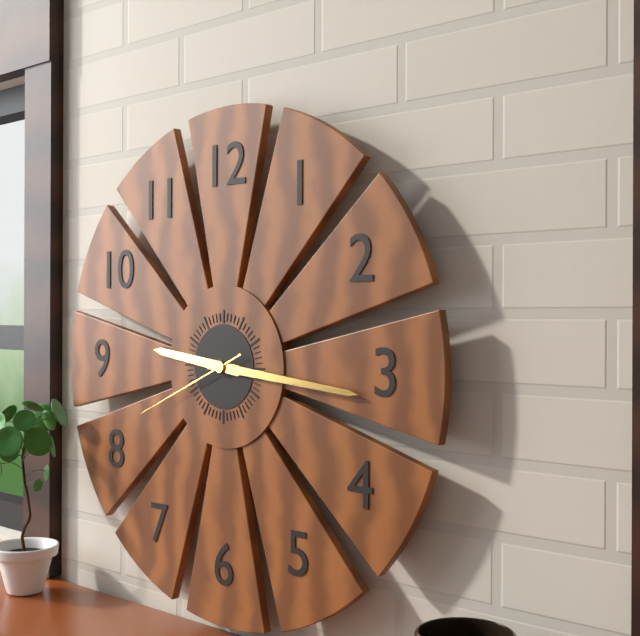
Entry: 9 h 16 min 41 s
